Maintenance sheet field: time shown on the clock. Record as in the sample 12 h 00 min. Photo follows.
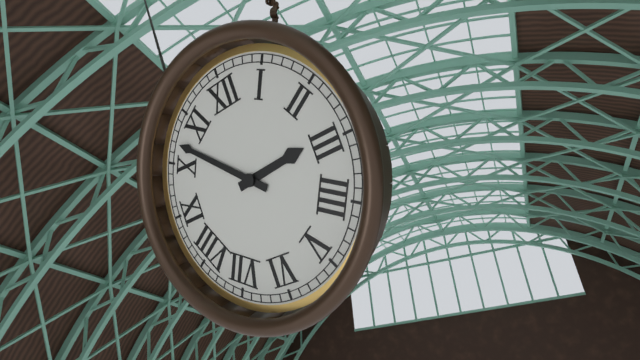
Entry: 2 h 52 min
